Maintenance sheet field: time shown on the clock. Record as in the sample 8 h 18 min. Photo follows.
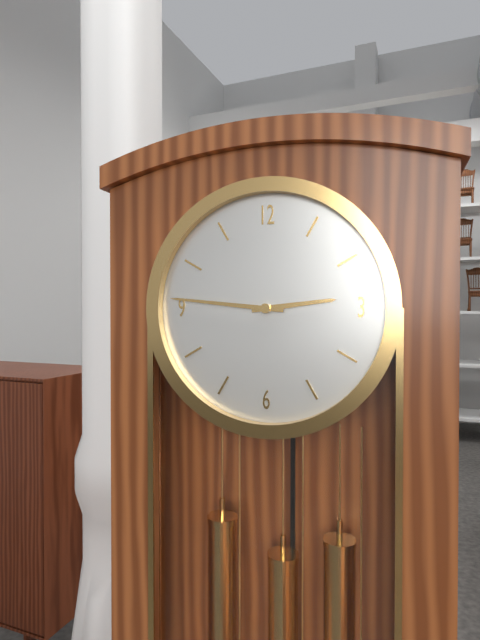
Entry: 2 h 46 min
